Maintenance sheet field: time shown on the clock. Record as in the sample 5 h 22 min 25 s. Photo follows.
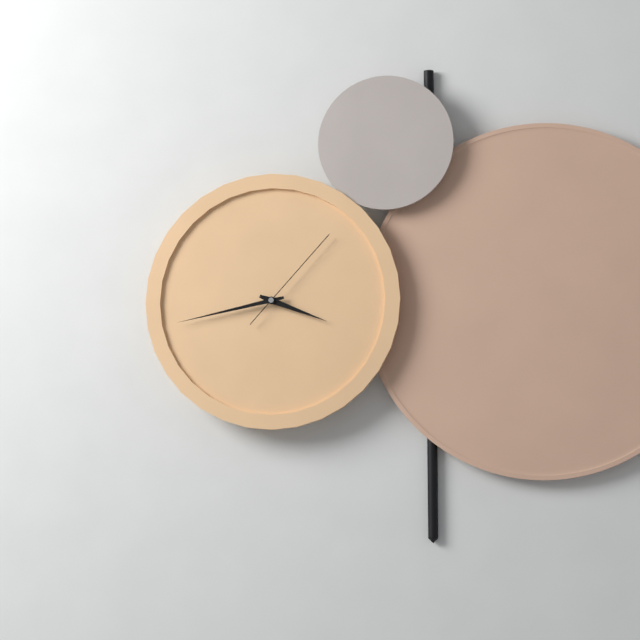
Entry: 3 h 43 min 07 s
